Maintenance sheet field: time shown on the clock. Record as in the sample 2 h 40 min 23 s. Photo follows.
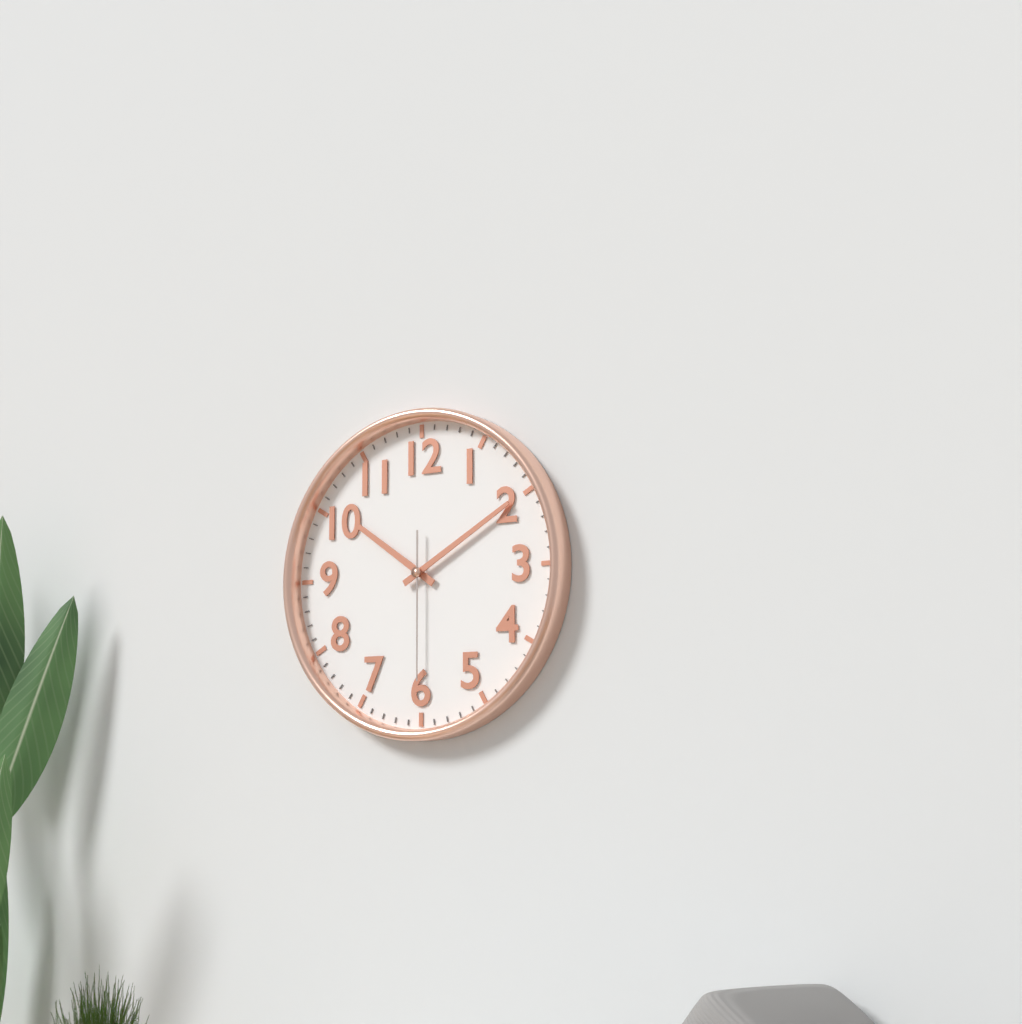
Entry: 10 h 10 min 30 s
